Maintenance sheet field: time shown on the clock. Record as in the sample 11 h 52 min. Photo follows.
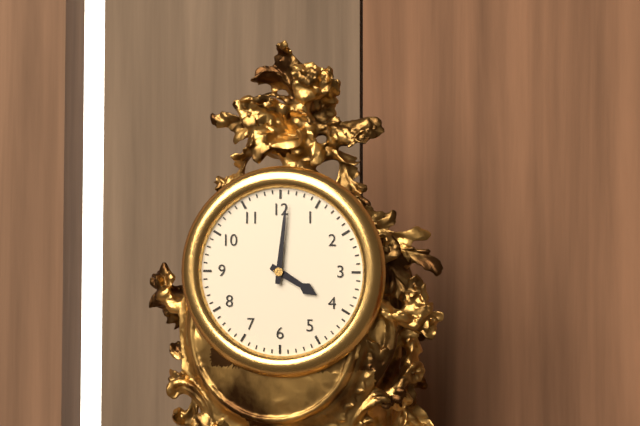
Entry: 4 h 01 min
